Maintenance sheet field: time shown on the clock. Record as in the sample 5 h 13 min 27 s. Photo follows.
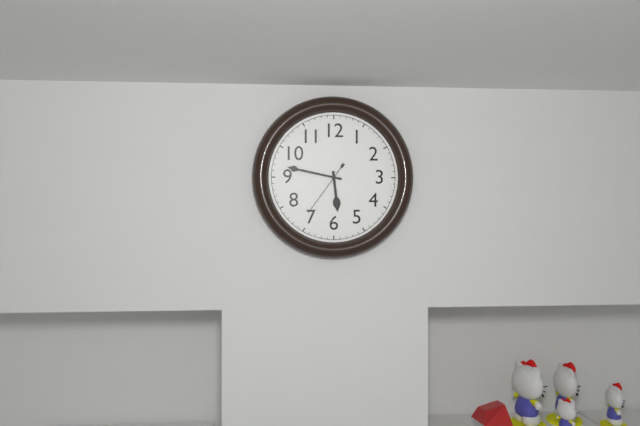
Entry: 5 h 47 min 36 s
